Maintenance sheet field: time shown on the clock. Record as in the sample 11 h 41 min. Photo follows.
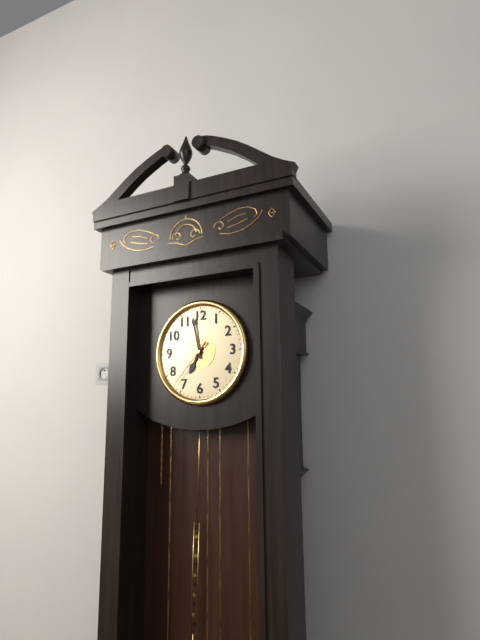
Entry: 6 h 58 min
